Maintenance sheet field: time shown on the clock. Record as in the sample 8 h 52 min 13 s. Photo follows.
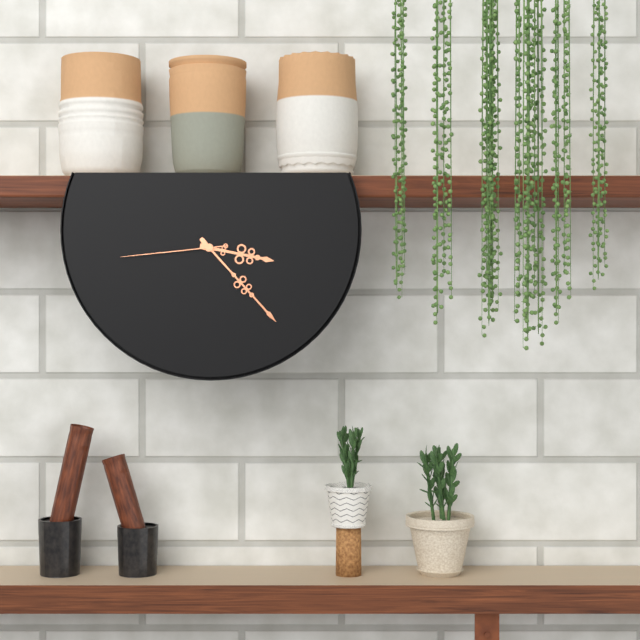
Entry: 3 h 23 min 44 s
